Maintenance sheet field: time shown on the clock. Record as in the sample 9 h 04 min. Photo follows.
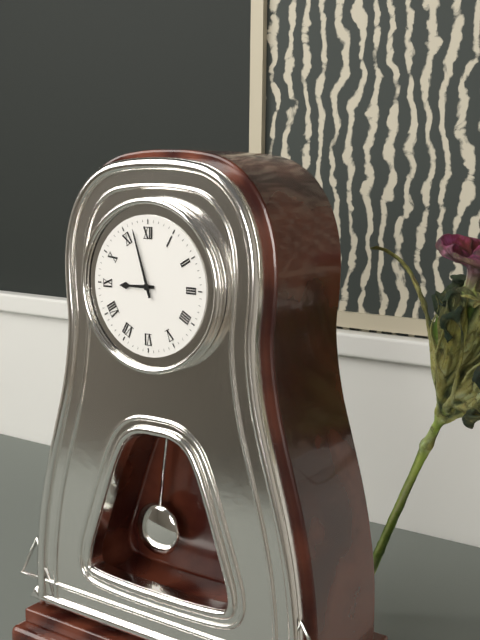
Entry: 8 h 57 min
